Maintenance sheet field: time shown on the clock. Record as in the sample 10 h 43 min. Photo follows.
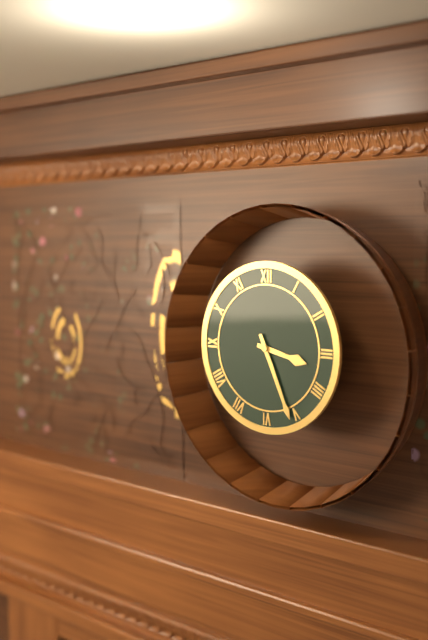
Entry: 3 h 26 min
